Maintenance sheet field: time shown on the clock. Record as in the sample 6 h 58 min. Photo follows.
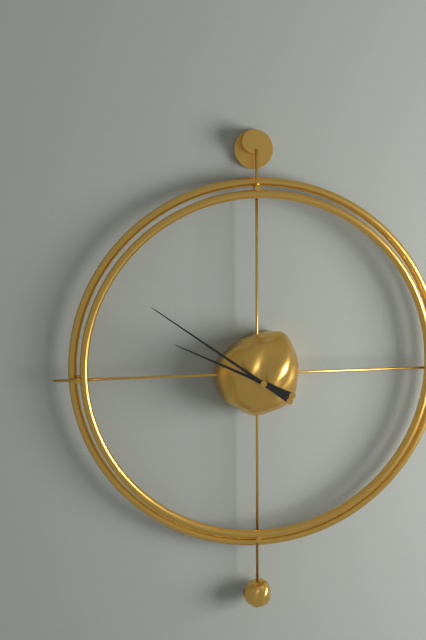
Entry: 9 h 51 min
